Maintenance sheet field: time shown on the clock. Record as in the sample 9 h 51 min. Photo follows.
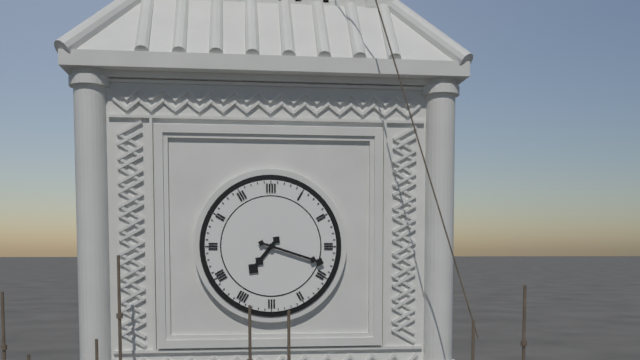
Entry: 7 h 18 min
